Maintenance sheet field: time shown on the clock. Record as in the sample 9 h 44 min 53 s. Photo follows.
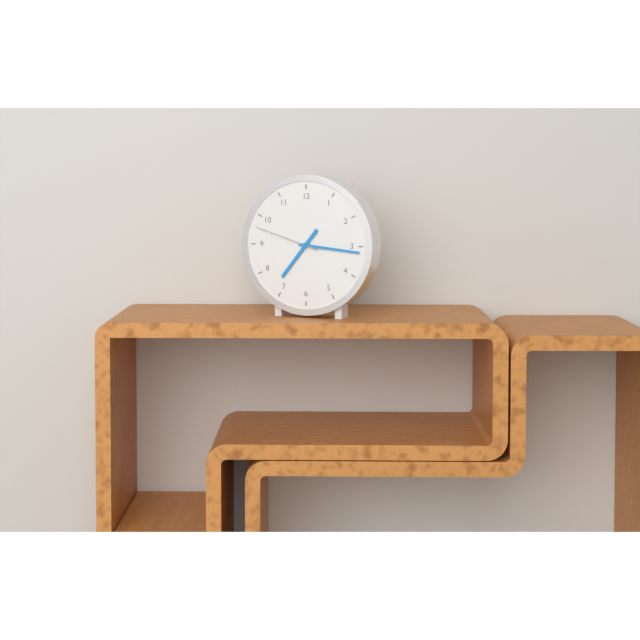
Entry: 7 h 16 min 48 s
